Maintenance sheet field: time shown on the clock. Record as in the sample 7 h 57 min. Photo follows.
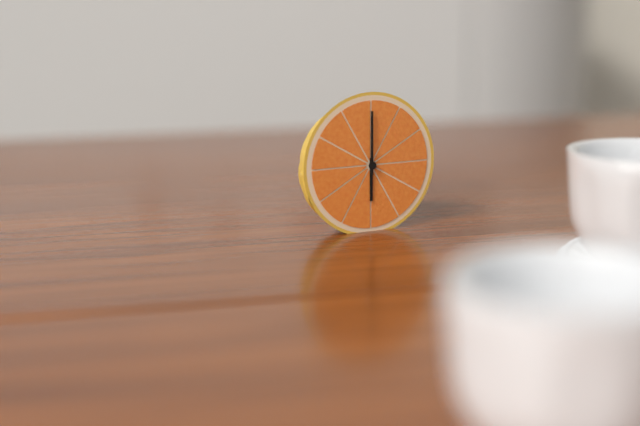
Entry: 6 h 00 min
